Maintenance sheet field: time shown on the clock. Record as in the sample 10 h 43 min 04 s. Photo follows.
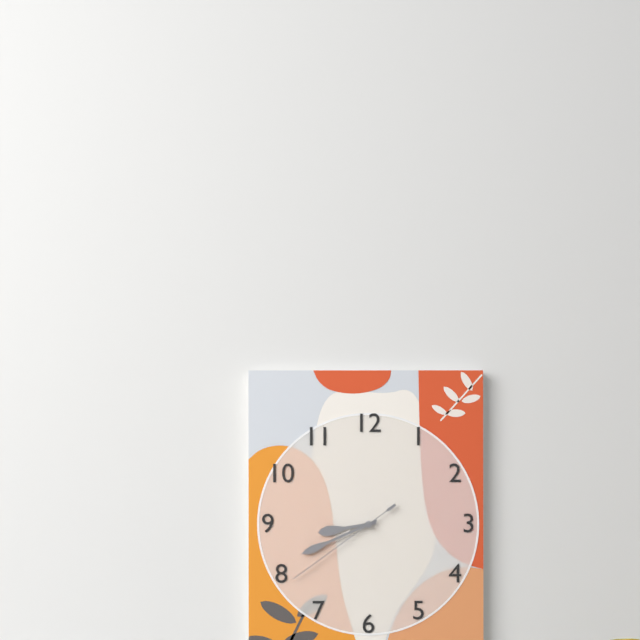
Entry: 8 h 41 min 39 s
